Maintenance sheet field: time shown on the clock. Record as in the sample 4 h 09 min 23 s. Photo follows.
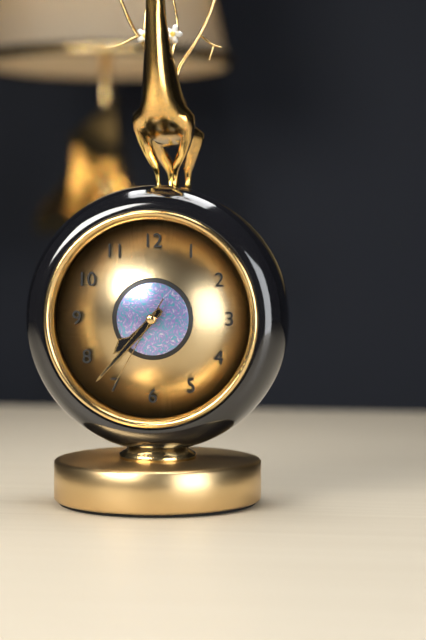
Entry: 7 h 37 min 35 s
